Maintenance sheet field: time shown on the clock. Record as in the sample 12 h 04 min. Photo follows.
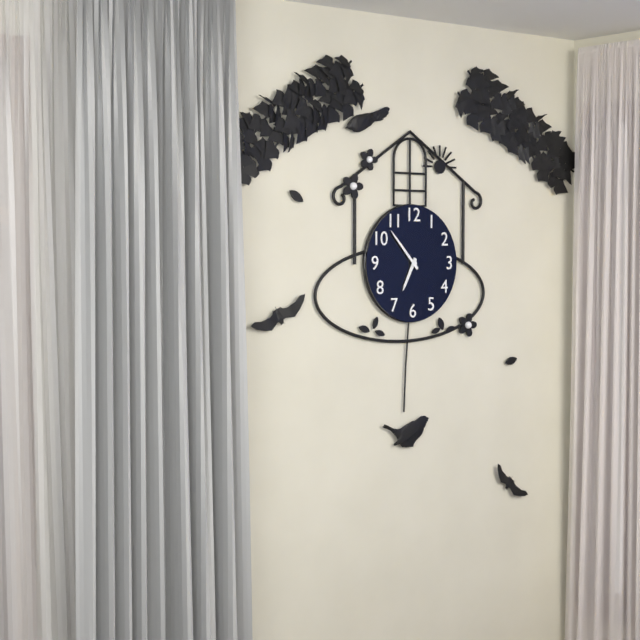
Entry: 6 h 53 min
